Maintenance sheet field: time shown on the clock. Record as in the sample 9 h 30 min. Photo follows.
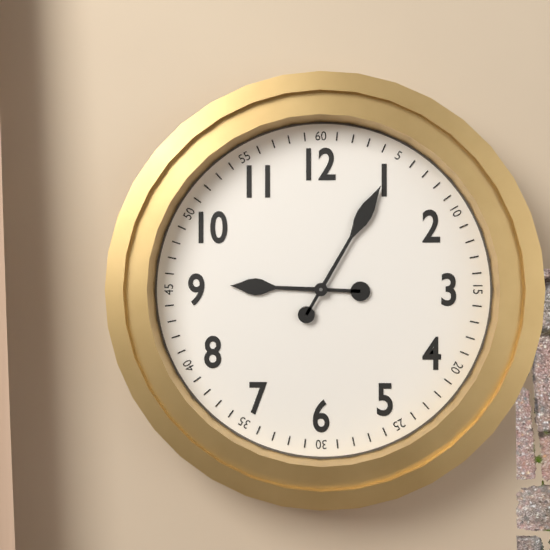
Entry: 9 h 05 min
